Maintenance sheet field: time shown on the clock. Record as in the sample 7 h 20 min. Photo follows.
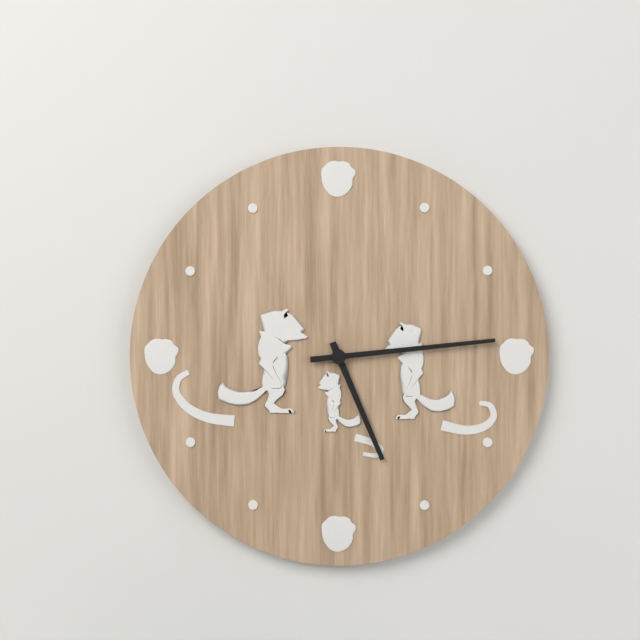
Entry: 5 h 14 min
